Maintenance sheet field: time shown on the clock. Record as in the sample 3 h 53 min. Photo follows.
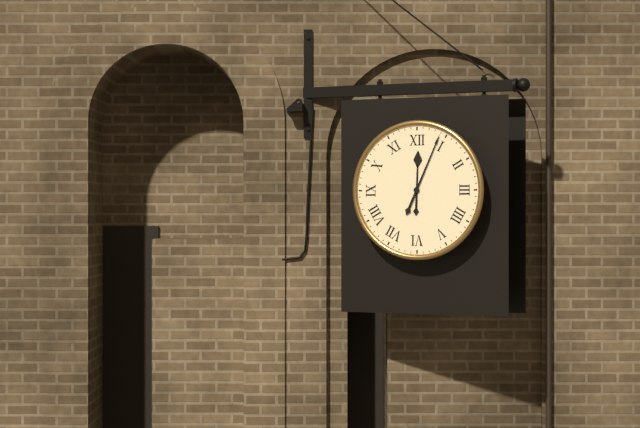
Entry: 12 h 04 min
